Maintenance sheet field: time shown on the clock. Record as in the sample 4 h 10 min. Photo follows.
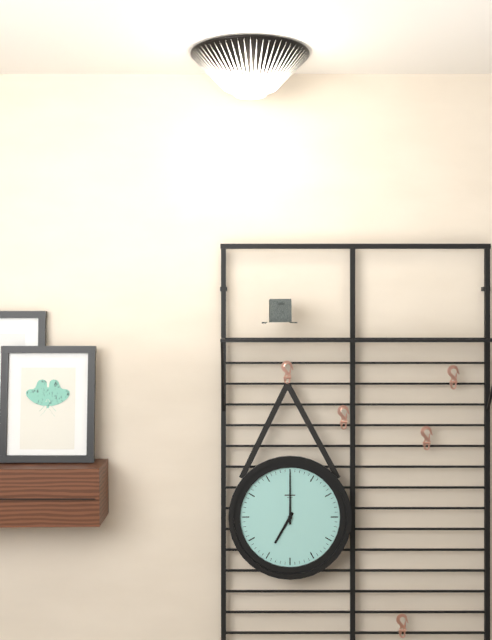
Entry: 7 h 00 min
